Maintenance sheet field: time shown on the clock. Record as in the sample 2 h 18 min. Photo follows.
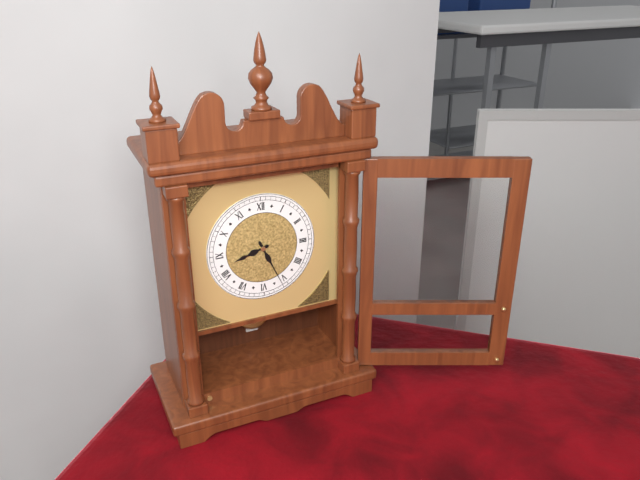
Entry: 8 h 26 min
